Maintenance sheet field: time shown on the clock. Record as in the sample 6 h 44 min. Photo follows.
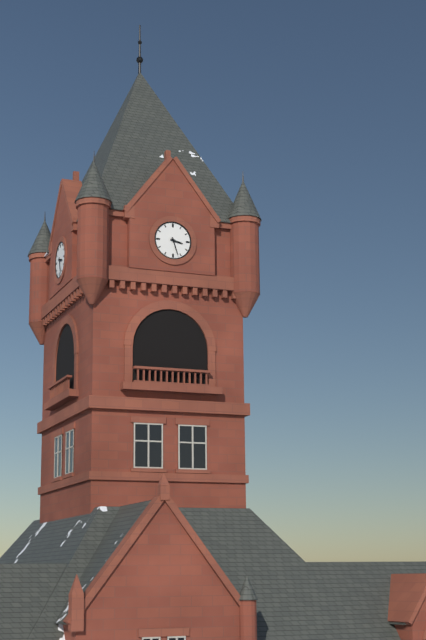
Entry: 3 h 27 min
